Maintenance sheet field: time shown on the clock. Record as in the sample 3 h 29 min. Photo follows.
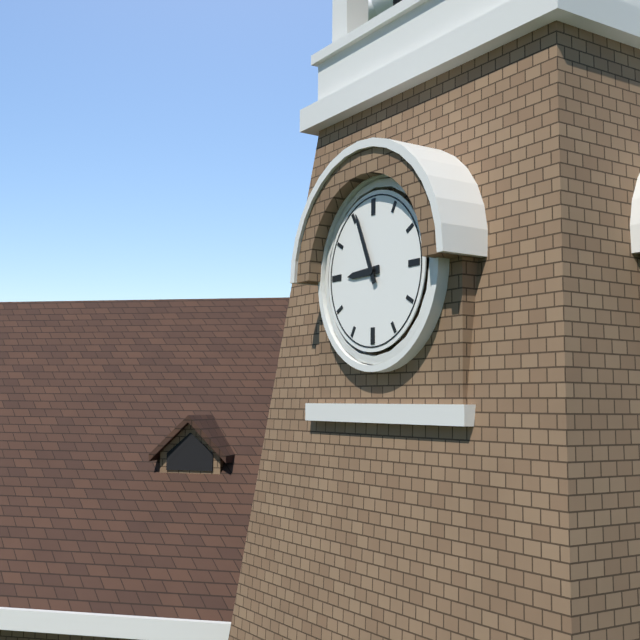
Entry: 8 h 56 min
